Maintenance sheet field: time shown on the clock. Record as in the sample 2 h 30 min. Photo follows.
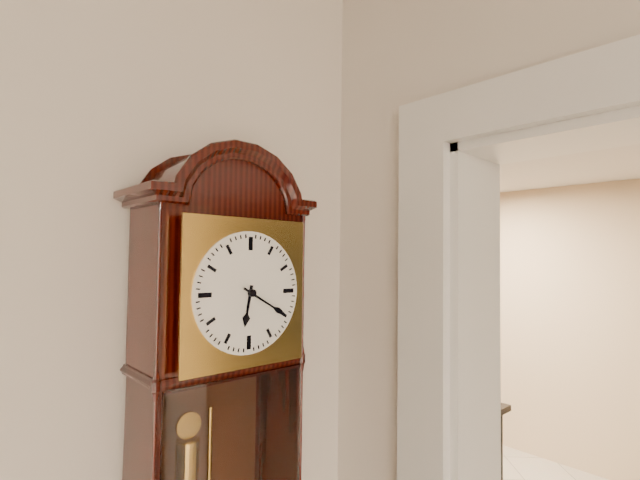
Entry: 6 h 20 min
